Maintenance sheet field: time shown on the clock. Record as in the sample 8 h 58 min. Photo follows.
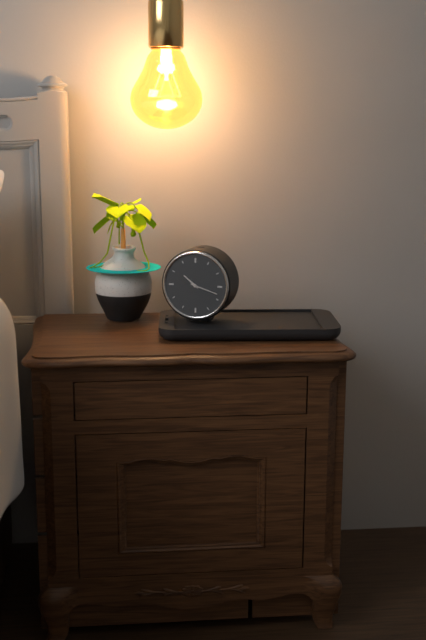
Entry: 10 h 18 min
